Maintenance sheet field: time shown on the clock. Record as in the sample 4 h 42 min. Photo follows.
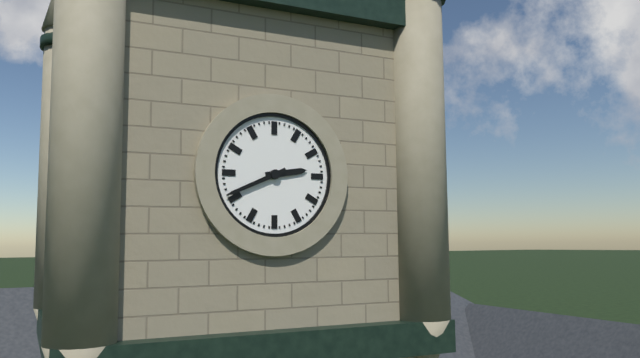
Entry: 2 h 41 min
